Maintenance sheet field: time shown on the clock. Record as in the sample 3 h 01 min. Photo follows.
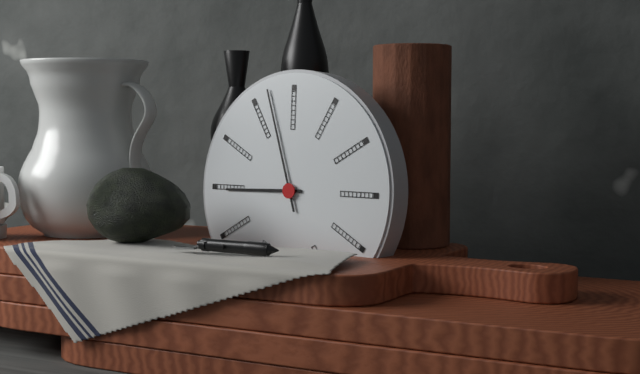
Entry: 8 h 57 min
